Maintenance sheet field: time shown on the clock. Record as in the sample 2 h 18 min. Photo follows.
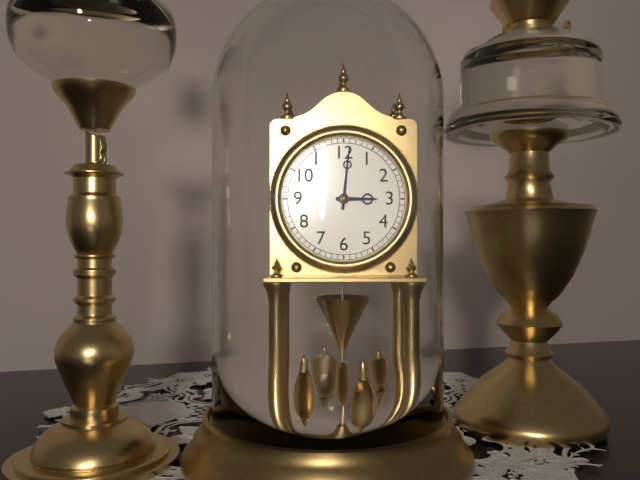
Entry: 3 h 01 min
